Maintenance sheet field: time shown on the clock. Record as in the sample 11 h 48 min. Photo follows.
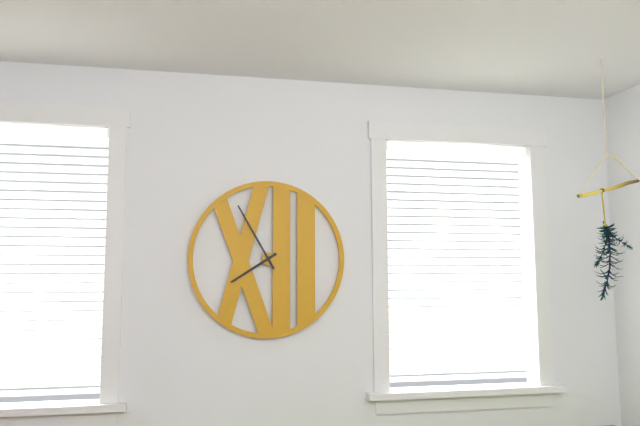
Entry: 7 h 55 min
